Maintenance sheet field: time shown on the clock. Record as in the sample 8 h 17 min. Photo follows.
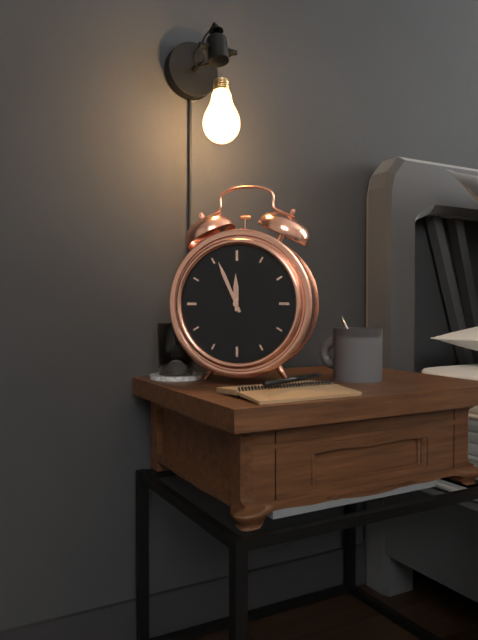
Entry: 11 h 56 min
